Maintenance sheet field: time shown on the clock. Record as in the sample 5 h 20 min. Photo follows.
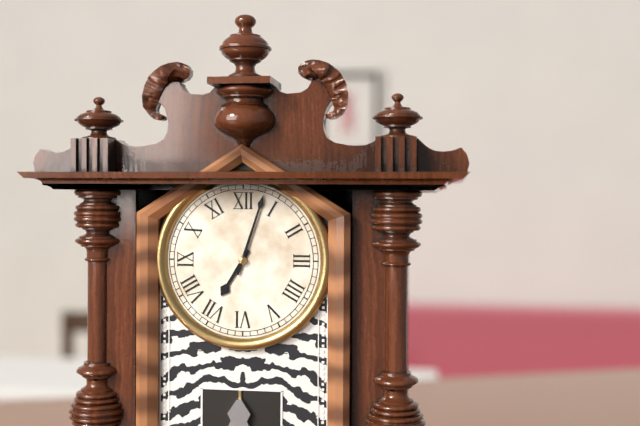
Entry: 7 h 03 min
